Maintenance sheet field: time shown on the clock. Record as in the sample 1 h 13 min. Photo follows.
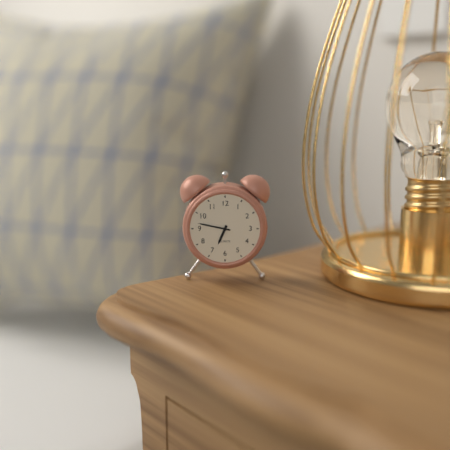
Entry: 6 h 47 min
